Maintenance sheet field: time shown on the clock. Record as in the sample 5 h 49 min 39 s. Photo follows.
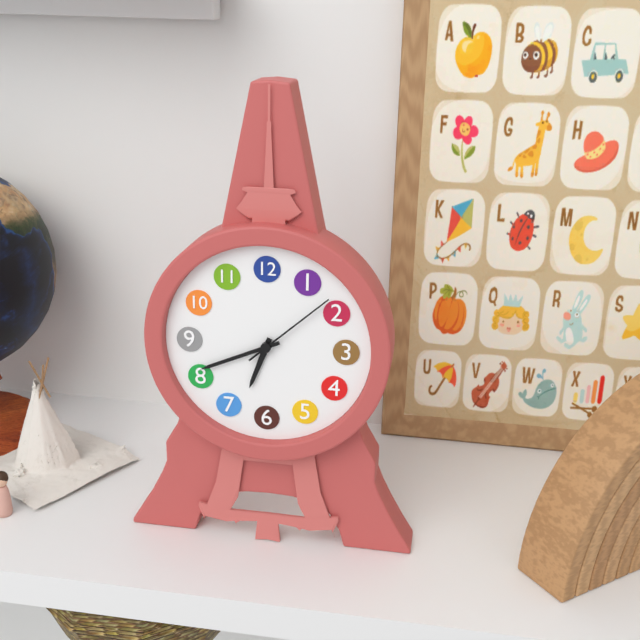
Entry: 6 h 41 min 08 s
